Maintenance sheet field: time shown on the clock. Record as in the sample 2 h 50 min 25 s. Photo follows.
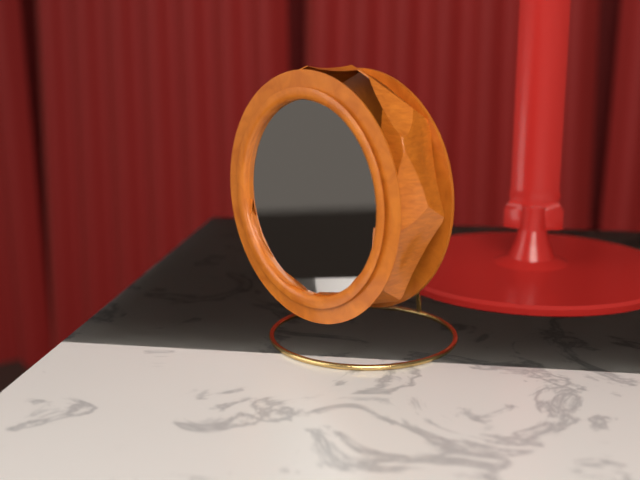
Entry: 1 h 08 min 49 s
